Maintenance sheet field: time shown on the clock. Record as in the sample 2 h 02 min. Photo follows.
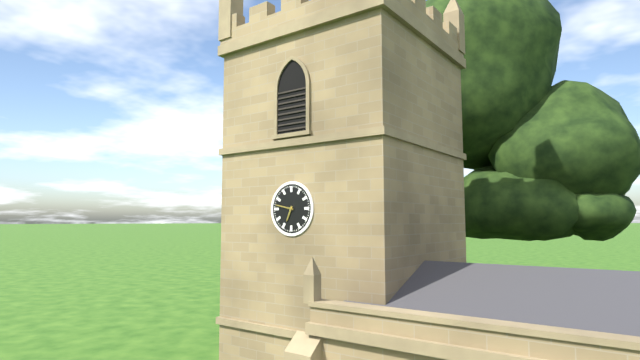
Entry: 6 h 47 min
